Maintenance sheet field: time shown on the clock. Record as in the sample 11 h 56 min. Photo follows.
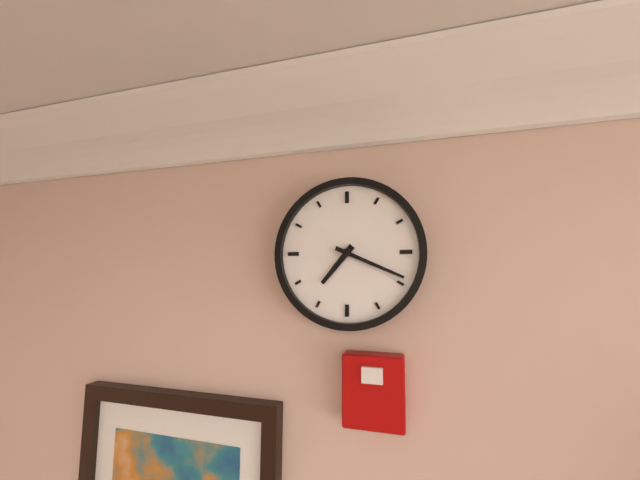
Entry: 7 h 19 min
